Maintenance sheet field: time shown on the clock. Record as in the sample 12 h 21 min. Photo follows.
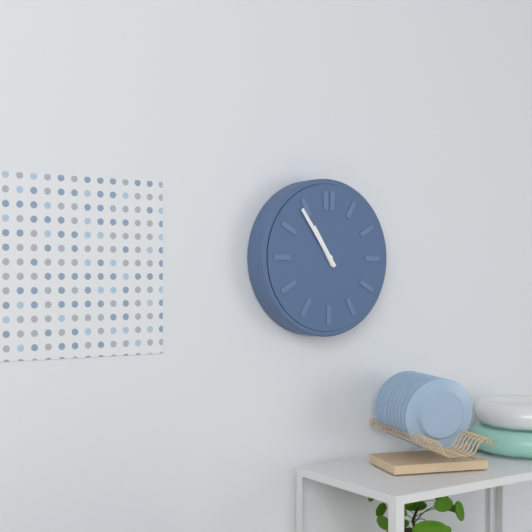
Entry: 10 h 54 min
